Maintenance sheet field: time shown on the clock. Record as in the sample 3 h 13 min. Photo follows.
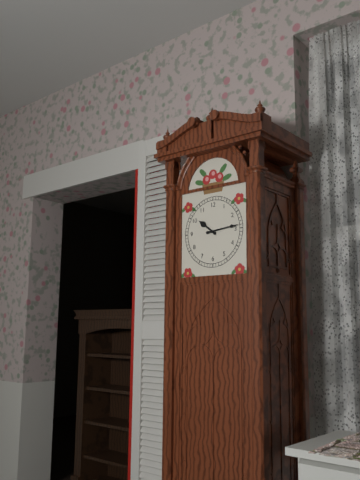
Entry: 10 h 14 min
